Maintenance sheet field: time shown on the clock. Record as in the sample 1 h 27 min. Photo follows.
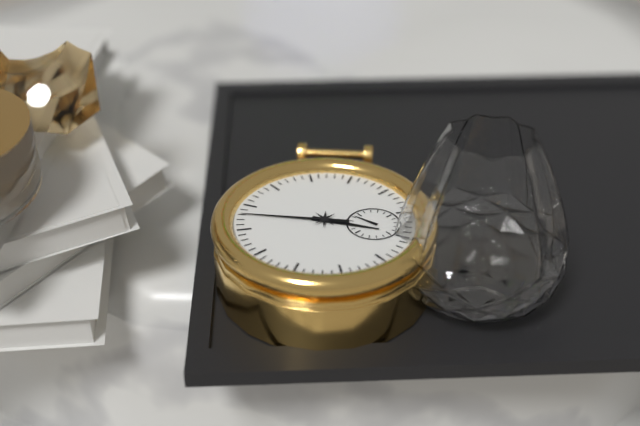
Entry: 4 h 53 min
